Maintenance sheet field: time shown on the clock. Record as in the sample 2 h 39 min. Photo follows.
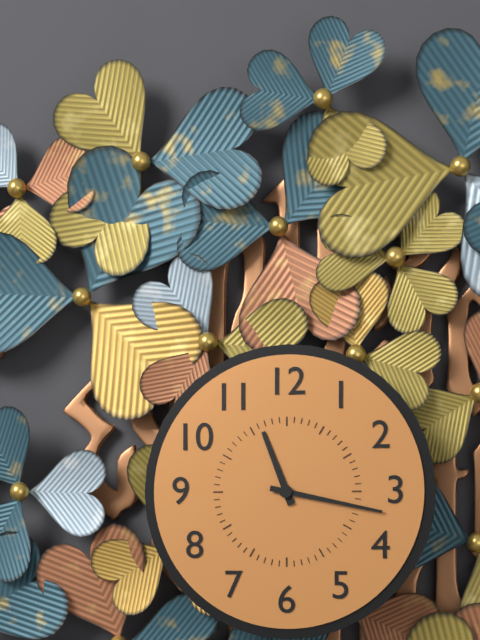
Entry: 11 h 17 min
